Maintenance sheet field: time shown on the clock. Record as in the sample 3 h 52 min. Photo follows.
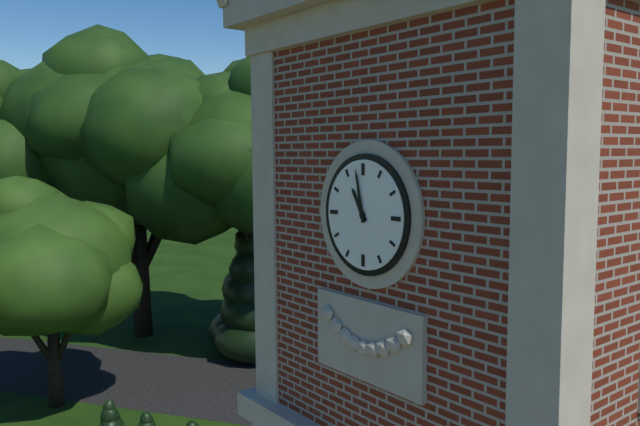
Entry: 10 h 58 min
